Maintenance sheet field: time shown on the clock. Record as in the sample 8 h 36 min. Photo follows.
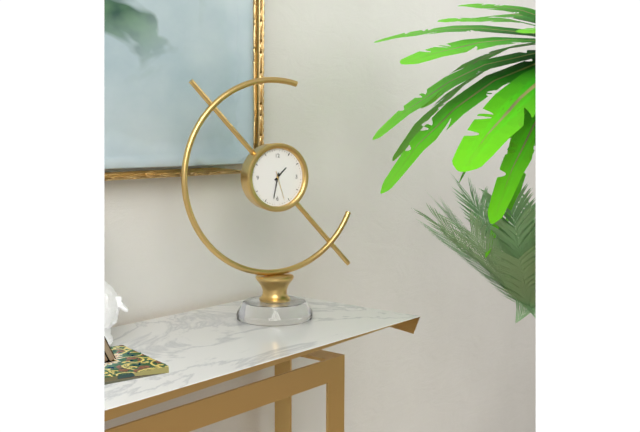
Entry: 1 h 32 min
